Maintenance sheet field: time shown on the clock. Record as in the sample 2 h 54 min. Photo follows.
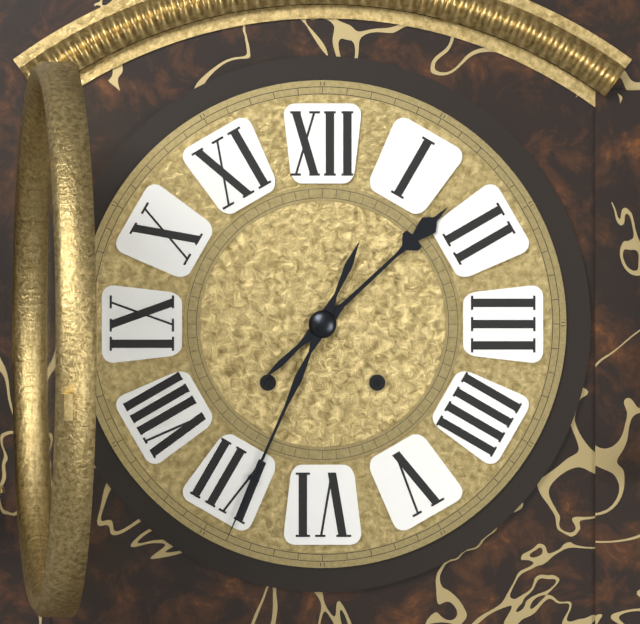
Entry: 1 h 34 min
